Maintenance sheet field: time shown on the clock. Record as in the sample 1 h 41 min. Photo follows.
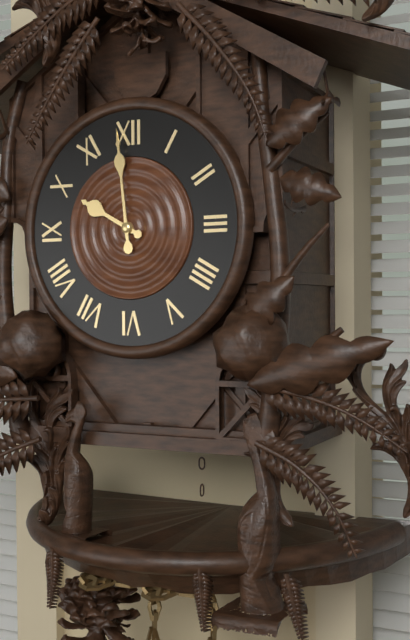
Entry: 9 h 59 min
